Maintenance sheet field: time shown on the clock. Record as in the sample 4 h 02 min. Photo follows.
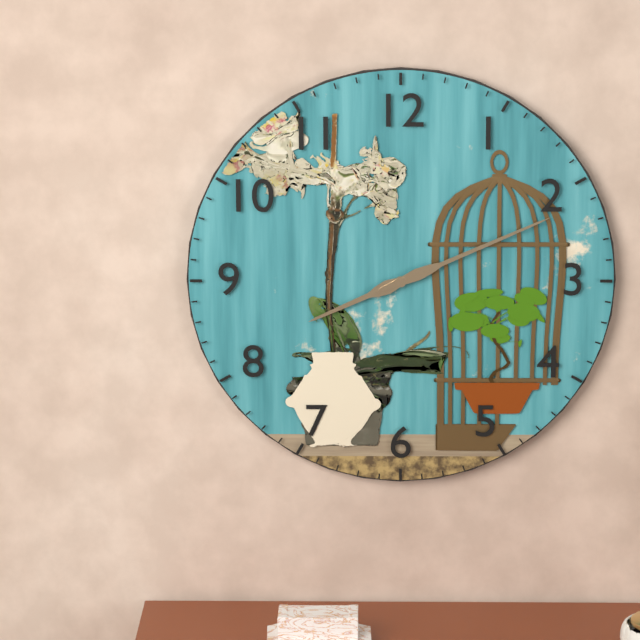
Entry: 8 h 11 min
